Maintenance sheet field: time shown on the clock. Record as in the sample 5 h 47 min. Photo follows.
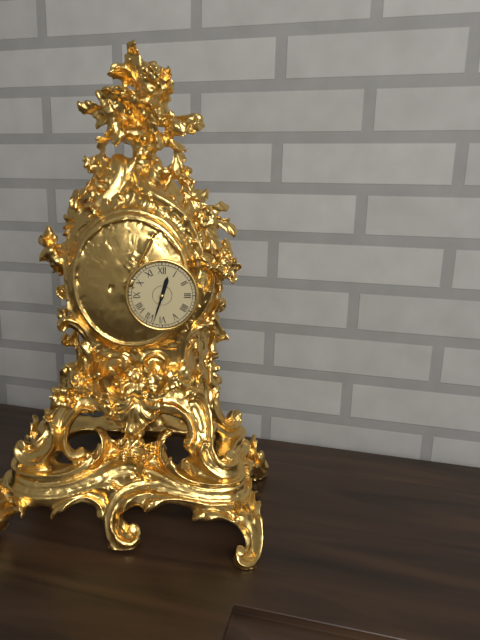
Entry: 12 h 33 min
